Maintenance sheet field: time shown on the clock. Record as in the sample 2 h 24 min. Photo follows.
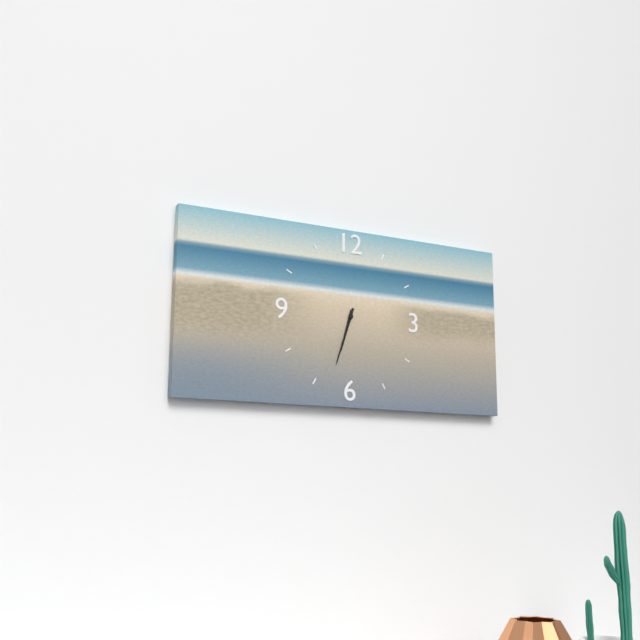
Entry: 6 h 33 min
